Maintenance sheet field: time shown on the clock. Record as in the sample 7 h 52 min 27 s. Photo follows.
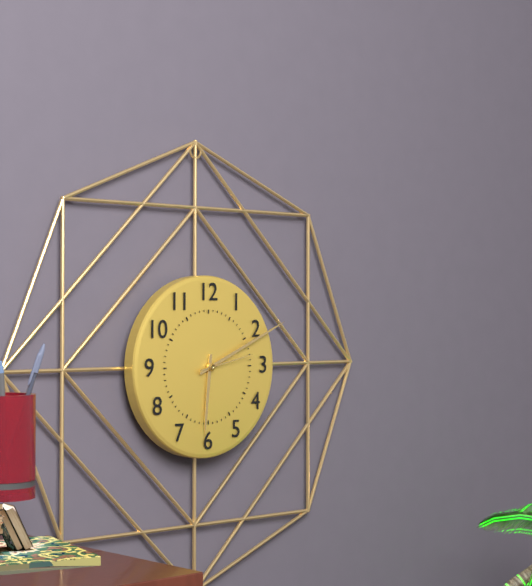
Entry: 6 h 11 min 13 s
